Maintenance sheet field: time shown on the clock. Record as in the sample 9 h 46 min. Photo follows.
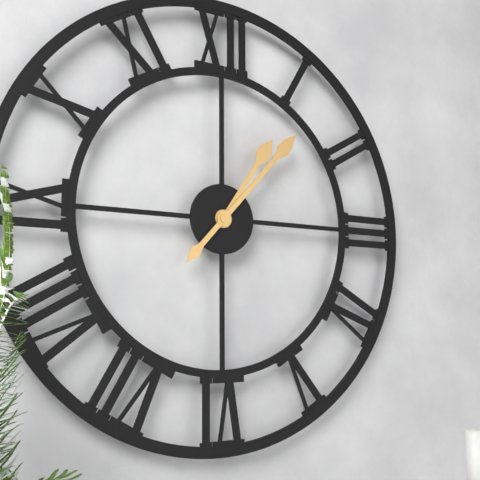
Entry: 1 h 07 min
